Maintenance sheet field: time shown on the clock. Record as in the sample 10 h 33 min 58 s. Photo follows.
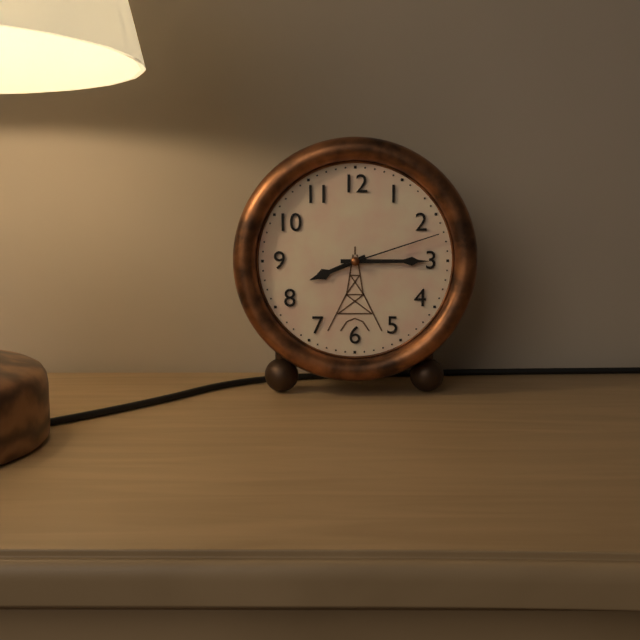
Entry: 8 h 15 min 12 s
